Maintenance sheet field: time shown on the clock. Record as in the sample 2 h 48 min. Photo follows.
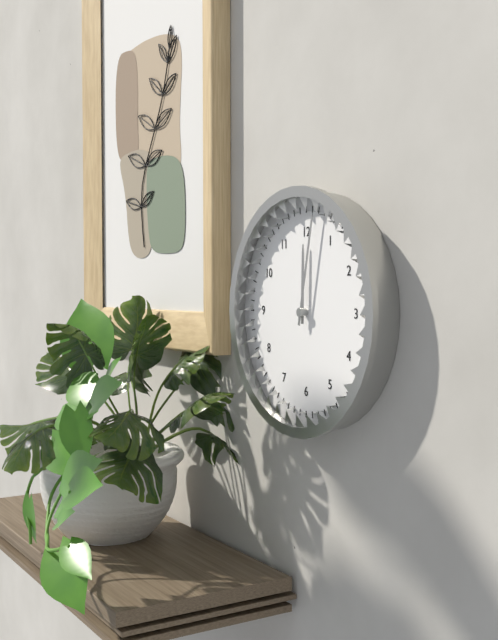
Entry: 12 h 02 min
